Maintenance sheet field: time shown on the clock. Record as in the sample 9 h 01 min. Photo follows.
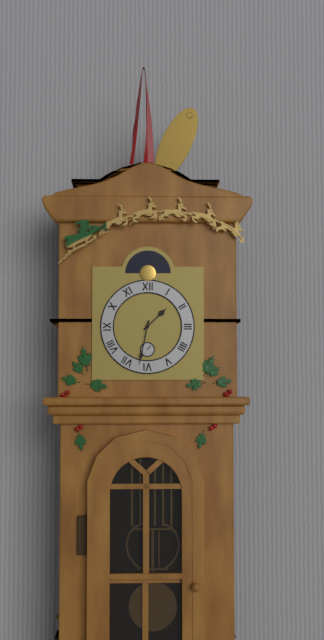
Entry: 1 h 32 min
